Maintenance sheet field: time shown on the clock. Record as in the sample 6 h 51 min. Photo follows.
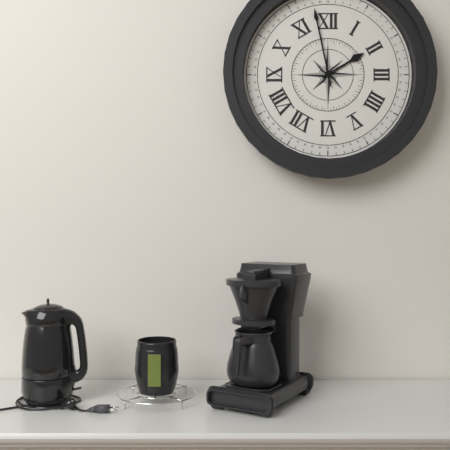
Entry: 1 h 58 min
